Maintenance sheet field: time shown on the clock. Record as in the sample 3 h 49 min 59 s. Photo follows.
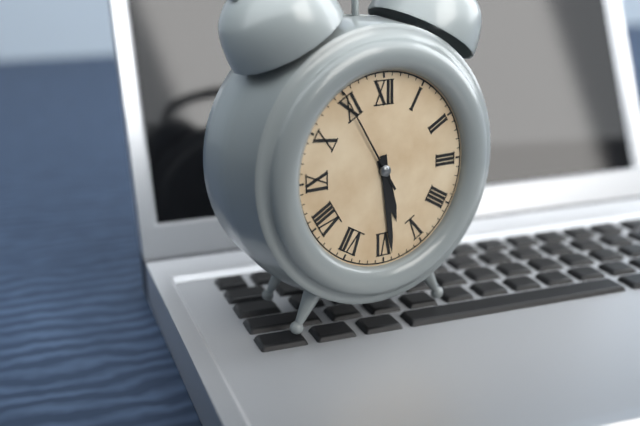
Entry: 5 h 29 min 55 s
